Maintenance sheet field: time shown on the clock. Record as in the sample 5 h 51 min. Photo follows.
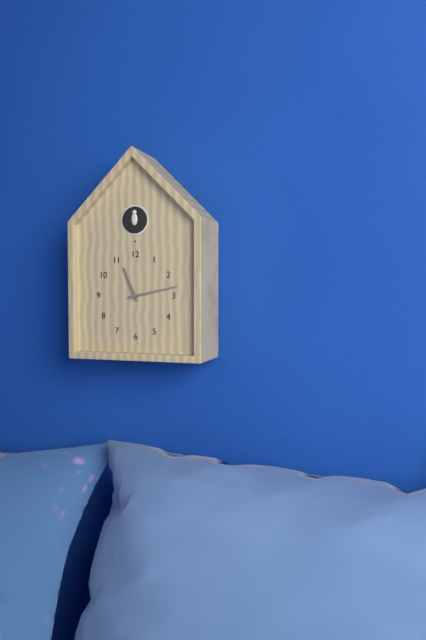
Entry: 11 h 13 min
